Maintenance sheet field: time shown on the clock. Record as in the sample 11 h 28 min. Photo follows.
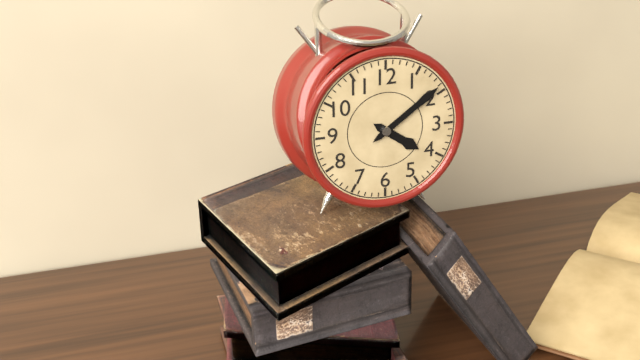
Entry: 4 h 09 min
